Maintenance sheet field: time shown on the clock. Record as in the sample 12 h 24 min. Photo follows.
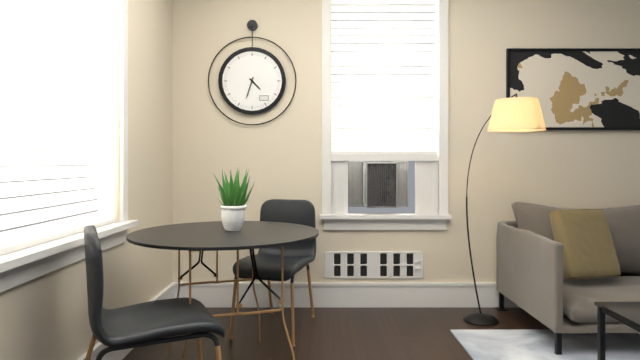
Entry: 4 h 33 min
